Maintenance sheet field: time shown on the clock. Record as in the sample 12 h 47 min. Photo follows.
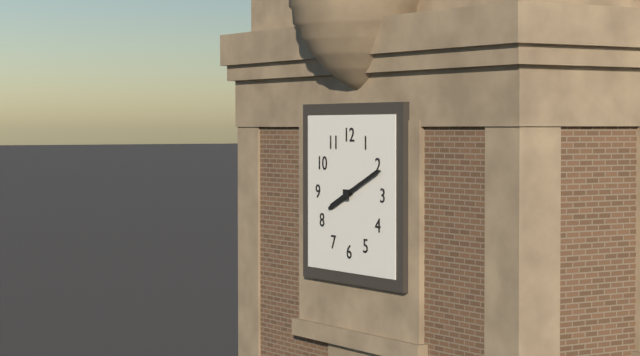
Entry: 8 h 11 min
